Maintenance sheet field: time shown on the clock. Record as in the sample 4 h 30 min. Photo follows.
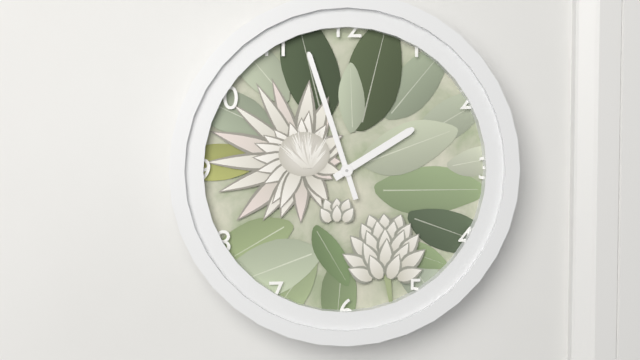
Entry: 1 h 57 min
